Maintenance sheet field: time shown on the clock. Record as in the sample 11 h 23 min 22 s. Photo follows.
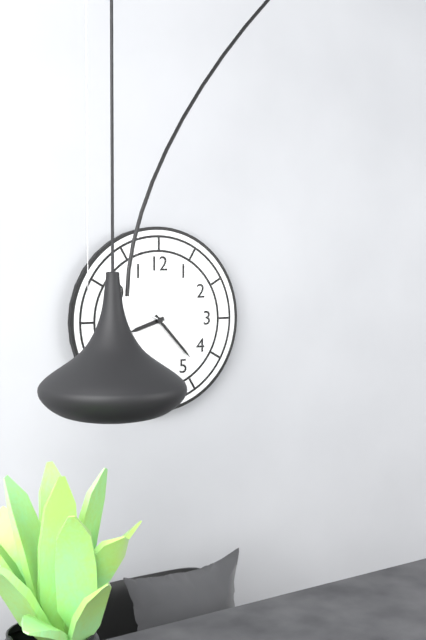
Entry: 8 h 23 min 50 s
